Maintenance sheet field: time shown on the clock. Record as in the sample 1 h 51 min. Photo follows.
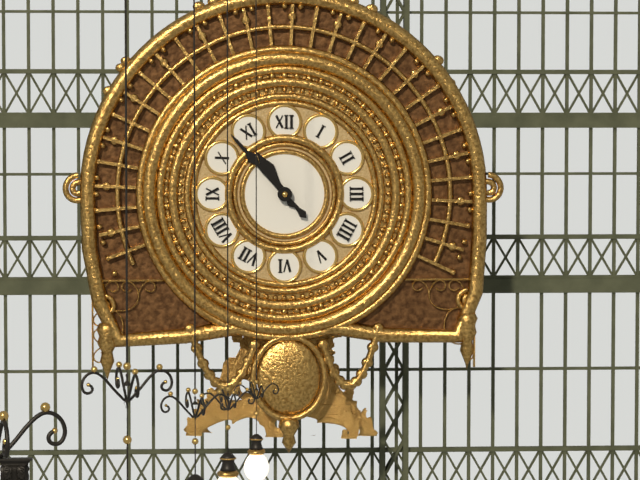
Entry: 10 h 53 min
